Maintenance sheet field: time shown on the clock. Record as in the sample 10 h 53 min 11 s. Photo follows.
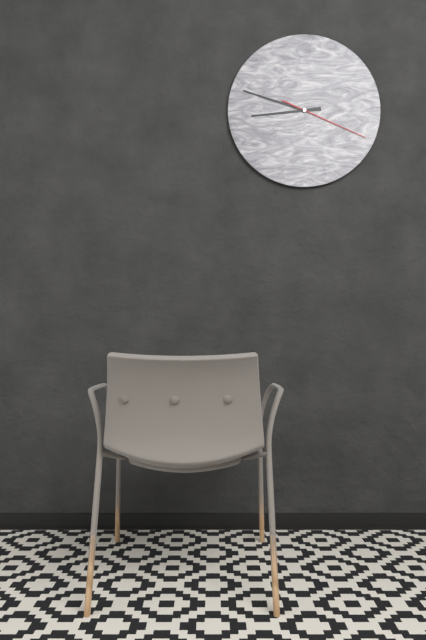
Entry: 8 h 48 min 19 s
